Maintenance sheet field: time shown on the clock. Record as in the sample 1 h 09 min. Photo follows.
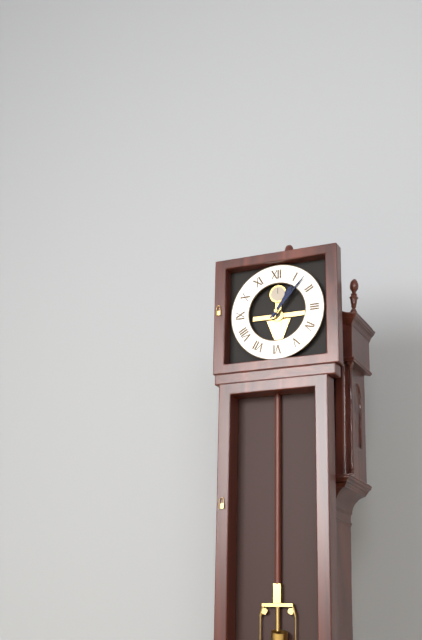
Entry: 1 h 07 min
